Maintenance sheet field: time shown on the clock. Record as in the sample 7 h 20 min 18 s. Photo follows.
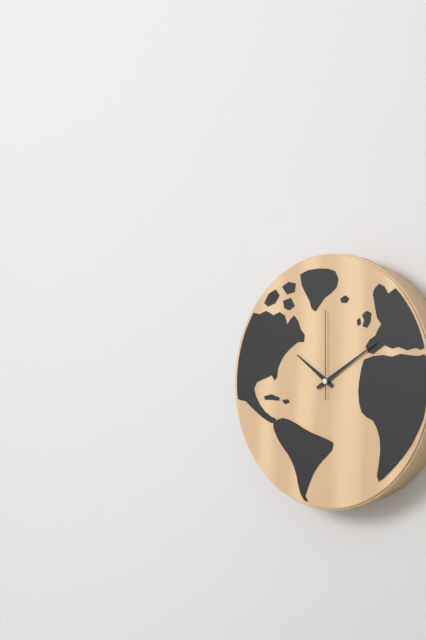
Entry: 10 h 10 min 00 s
